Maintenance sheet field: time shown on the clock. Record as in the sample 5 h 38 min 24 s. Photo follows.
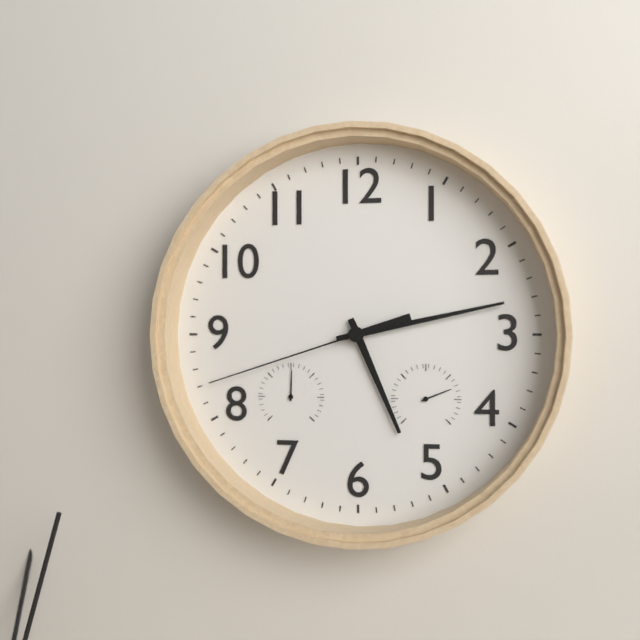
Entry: 5 h 13 min 42 s
